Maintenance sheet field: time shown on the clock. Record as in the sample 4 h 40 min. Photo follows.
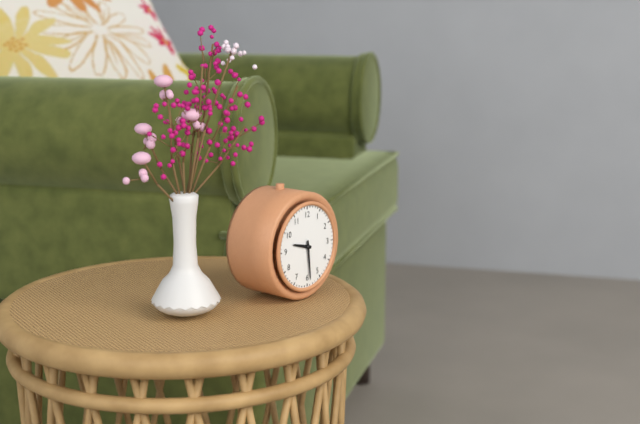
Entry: 9 h 29 min
